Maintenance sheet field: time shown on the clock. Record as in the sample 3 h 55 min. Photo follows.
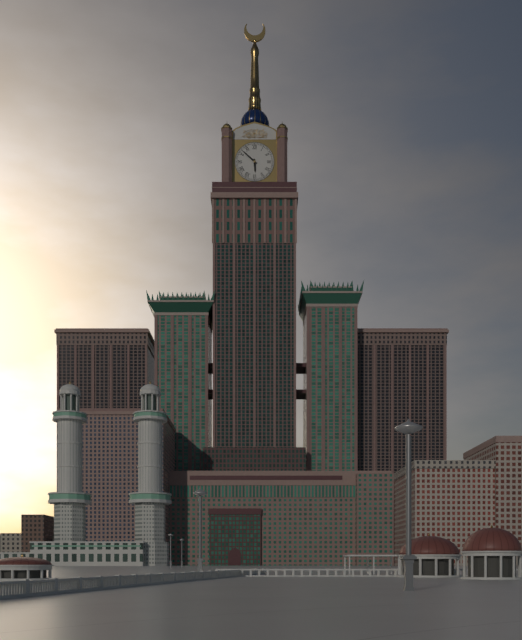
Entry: 5 h 52 min
